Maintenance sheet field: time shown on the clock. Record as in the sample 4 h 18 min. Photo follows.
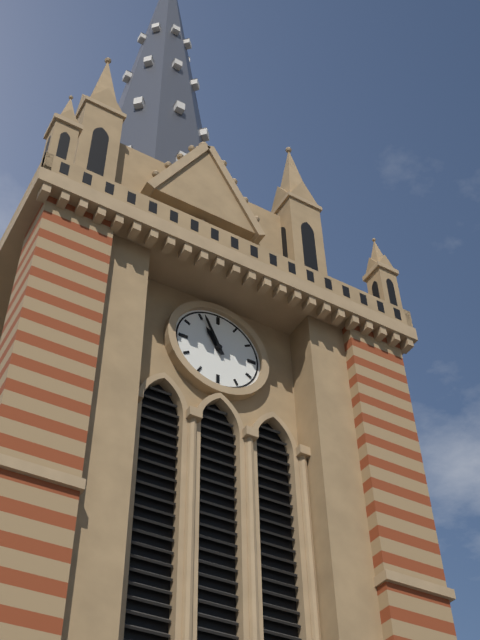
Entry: 10 h 56 min
